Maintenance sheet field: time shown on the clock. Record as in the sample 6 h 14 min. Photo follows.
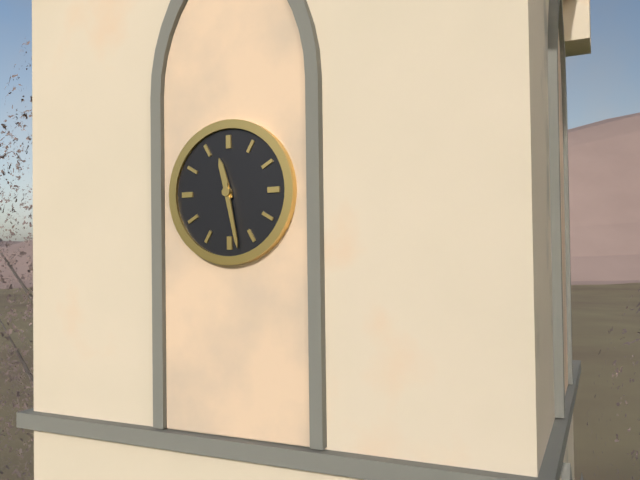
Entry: 11 h 28 min
